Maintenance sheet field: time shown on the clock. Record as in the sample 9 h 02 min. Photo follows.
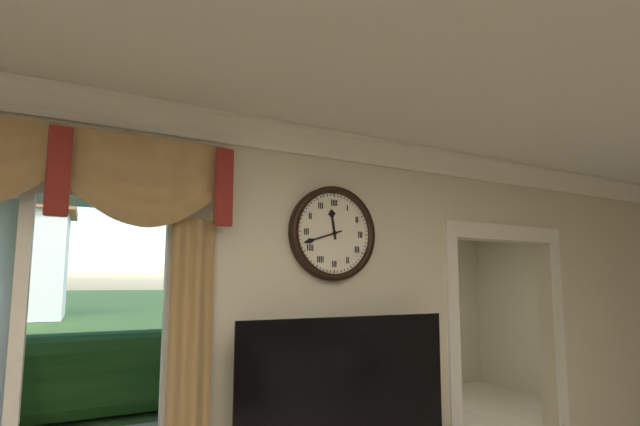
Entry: 11 h 42 min
